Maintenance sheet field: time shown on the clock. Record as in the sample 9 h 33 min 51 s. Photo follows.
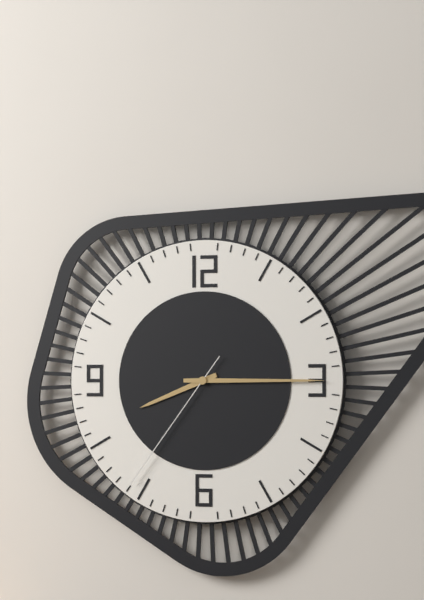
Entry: 8 h 15 min 36 s
